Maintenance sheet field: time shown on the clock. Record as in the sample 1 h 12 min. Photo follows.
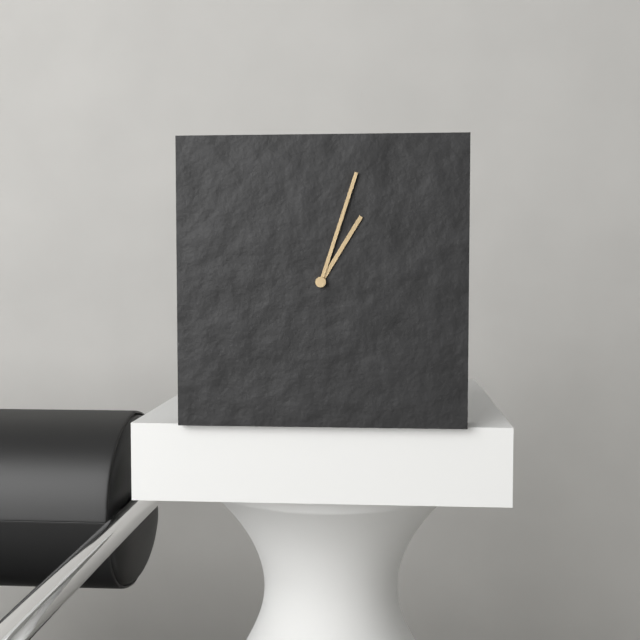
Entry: 1 h 03 min
